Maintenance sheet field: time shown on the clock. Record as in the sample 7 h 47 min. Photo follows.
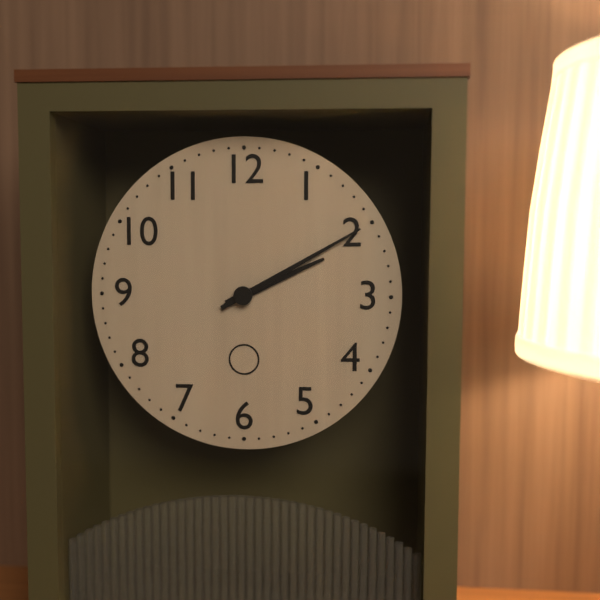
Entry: 2 h 10 min
